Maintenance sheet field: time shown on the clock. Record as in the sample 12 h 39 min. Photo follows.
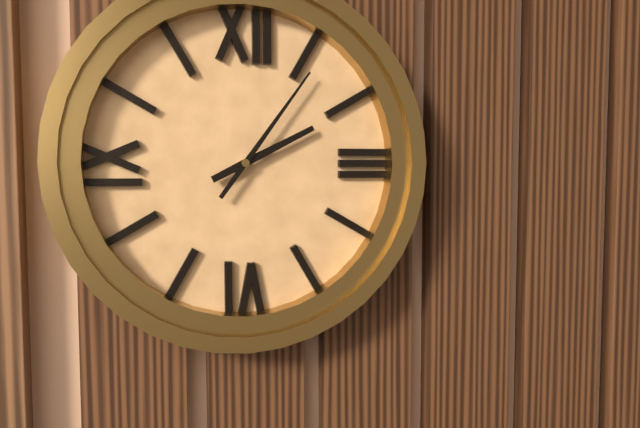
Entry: 2 h 06 min
